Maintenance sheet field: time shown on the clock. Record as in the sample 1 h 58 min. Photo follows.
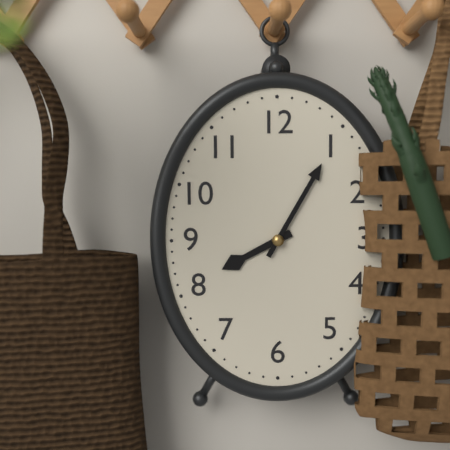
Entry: 8 h 05 min
